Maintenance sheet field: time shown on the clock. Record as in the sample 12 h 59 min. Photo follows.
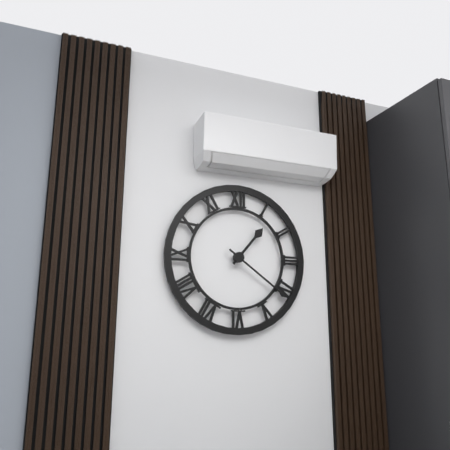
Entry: 1 h 21 min
